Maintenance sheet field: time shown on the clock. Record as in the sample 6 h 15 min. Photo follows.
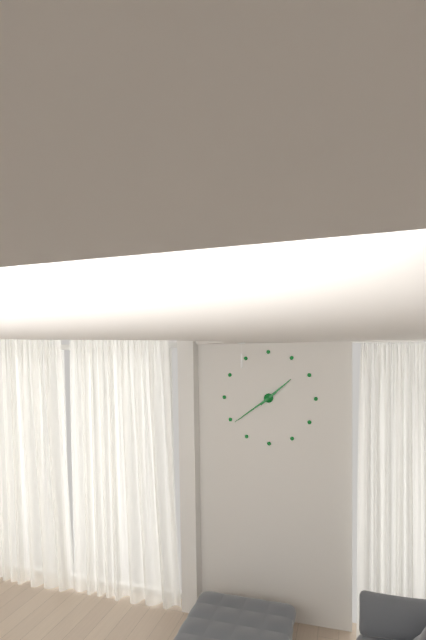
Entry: 1 h 39 min
